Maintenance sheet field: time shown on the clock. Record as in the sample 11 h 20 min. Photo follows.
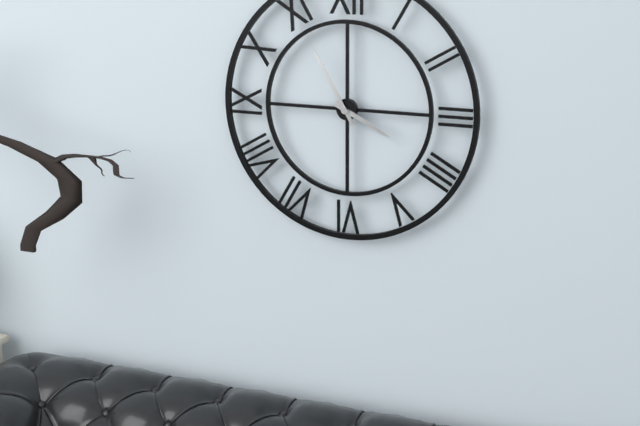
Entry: 3 h 55 min
